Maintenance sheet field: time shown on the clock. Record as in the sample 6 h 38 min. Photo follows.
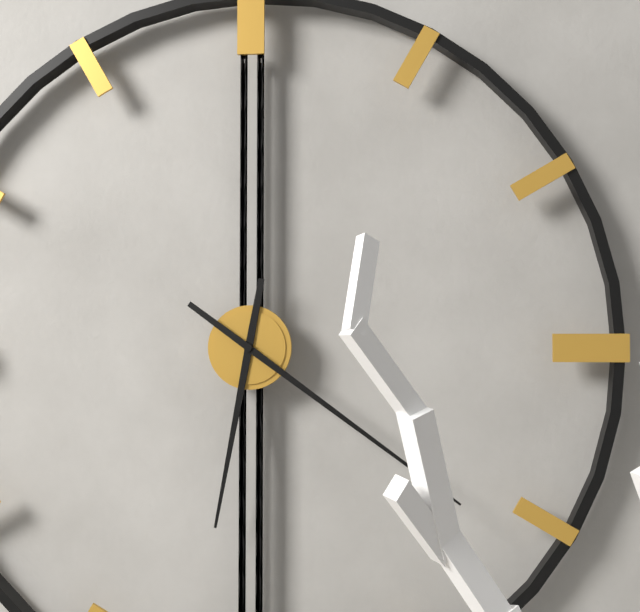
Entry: 6 h 21 min
